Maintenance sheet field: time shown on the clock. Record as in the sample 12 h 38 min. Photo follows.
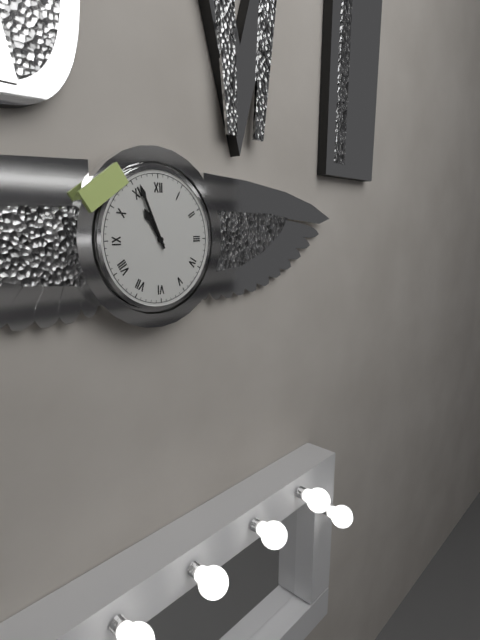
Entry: 10 h 56 min
